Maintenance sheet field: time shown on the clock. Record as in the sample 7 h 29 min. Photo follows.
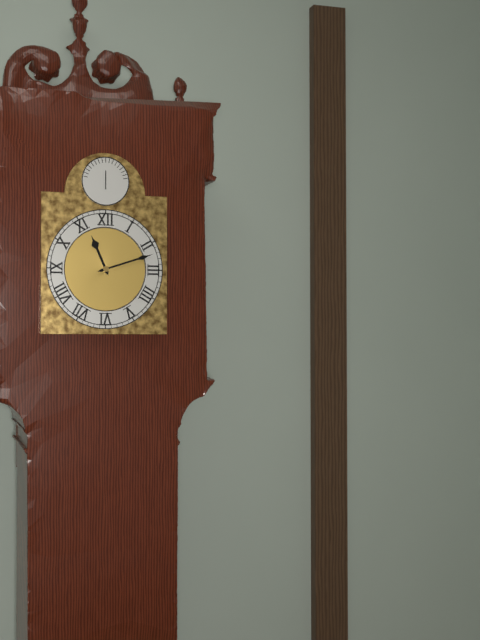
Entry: 11 h 12 min
